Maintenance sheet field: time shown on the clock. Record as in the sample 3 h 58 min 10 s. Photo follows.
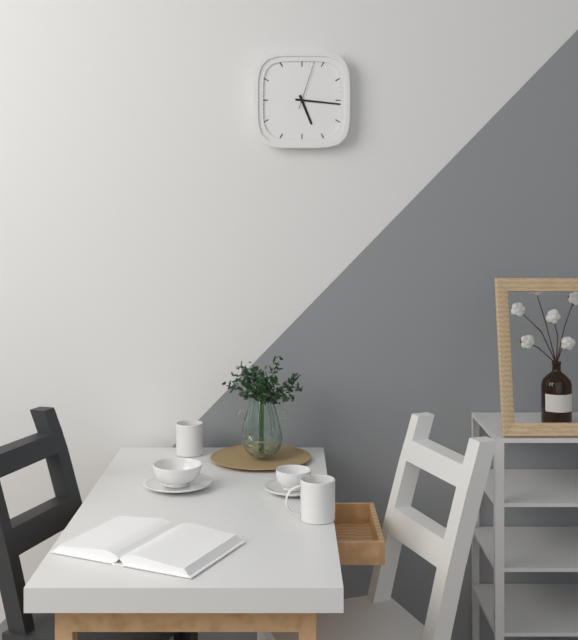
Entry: 5 h 16 min 03 s
